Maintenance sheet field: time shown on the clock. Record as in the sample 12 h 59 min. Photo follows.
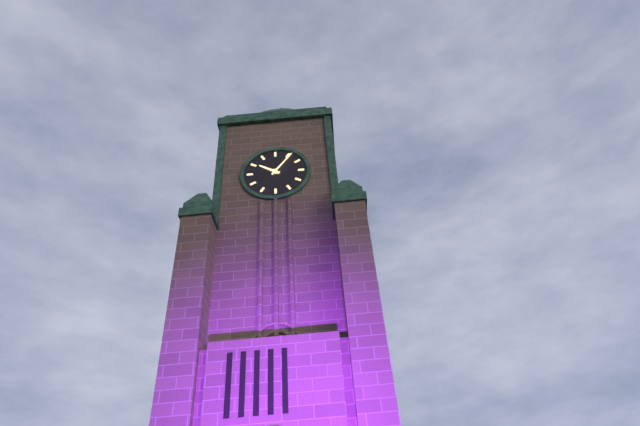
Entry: 10 h 06 min
